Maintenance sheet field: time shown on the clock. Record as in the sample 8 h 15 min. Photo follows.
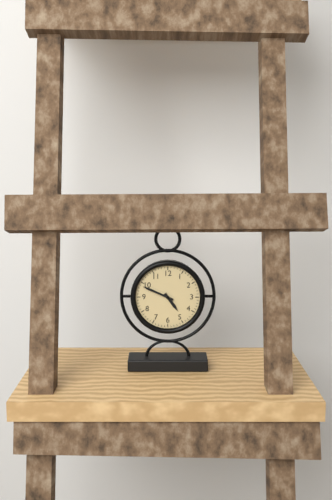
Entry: 4 h 49 min
